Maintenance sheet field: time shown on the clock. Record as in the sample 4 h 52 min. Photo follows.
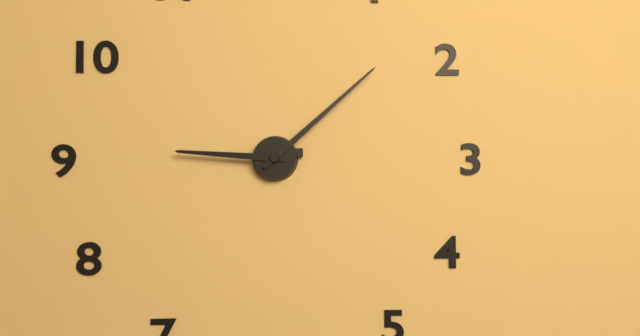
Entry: 9 h 08 min
